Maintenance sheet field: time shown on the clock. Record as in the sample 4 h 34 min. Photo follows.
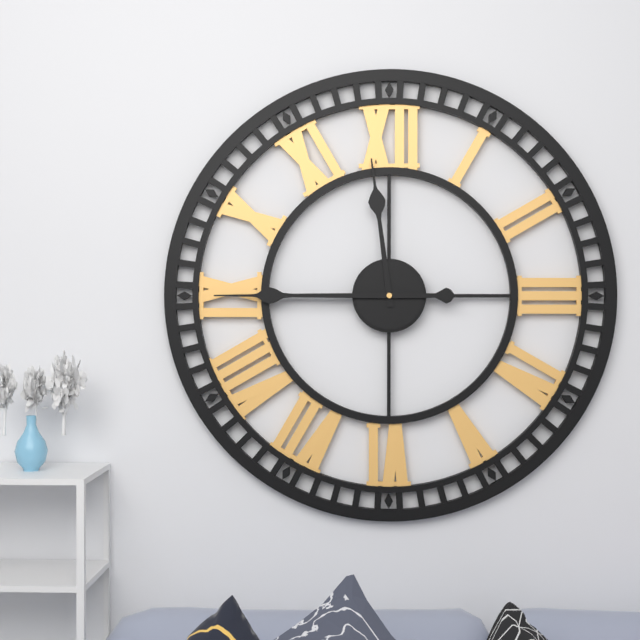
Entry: 11 h 45 min
